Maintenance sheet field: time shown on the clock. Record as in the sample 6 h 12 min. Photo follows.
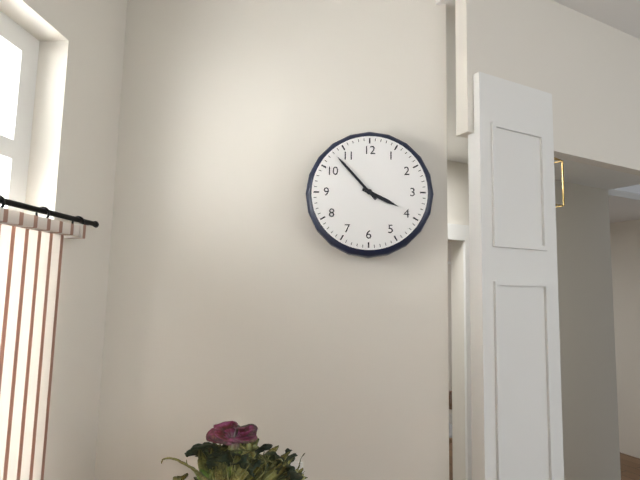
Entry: 3 h 53 min
